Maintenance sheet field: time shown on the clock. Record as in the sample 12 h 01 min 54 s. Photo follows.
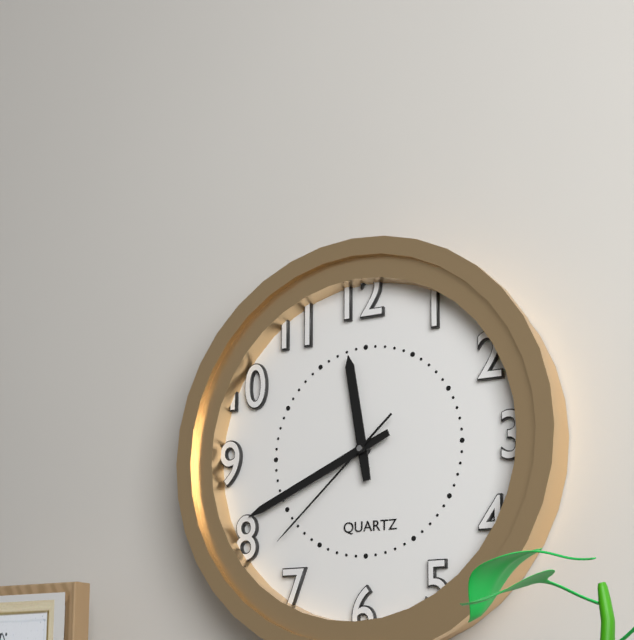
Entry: 11 h 41 min 38 s
